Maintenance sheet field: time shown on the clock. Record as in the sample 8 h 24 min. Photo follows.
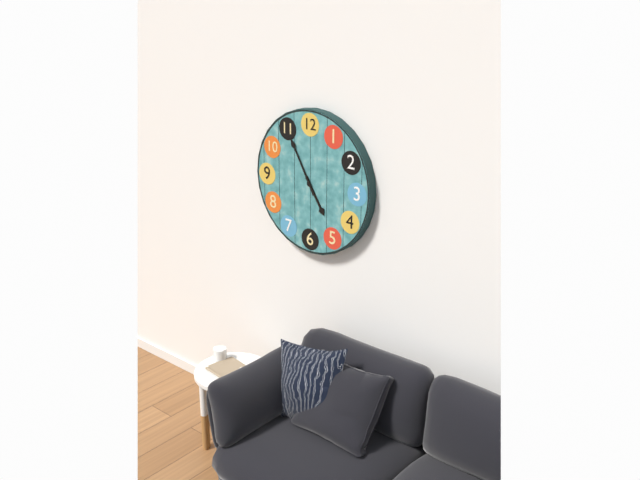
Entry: 4 h 55 min
